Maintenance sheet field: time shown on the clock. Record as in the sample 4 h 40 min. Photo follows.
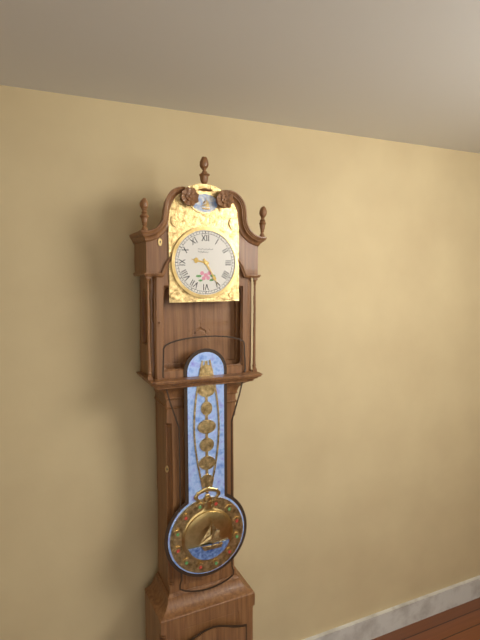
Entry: 9 h 25 min
